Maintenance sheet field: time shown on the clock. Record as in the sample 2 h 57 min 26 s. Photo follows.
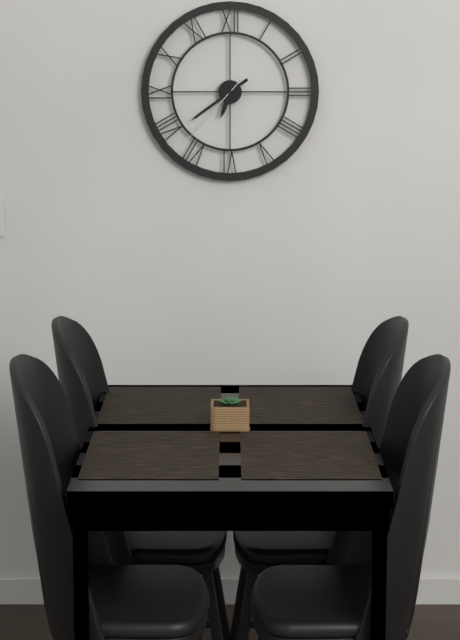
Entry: 6 h 39 min 37 s
